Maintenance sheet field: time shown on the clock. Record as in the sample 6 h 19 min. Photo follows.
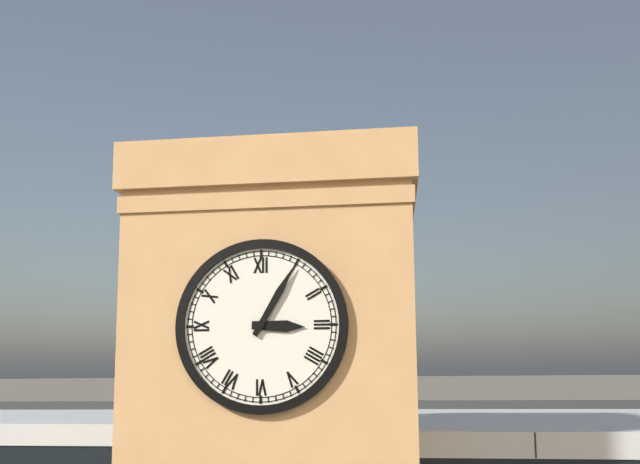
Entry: 3 h 05 min
